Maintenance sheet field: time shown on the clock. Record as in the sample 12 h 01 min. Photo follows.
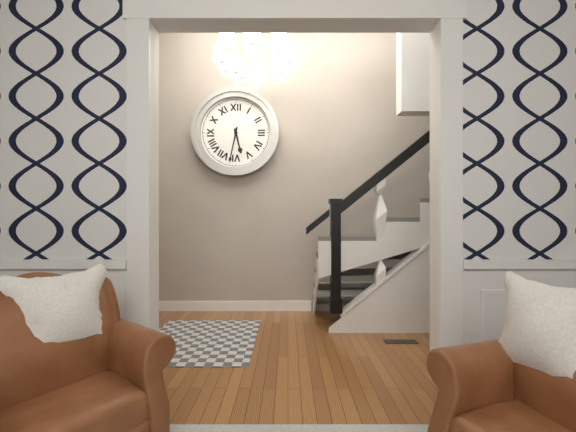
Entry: 5 h 32 min
